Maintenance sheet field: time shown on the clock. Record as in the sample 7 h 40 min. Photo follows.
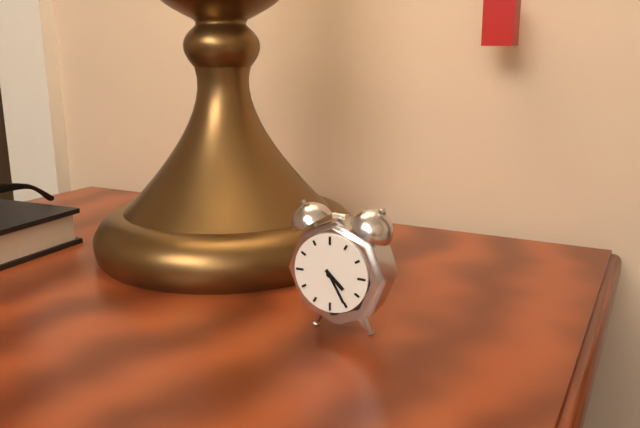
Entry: 4 h 25 min
